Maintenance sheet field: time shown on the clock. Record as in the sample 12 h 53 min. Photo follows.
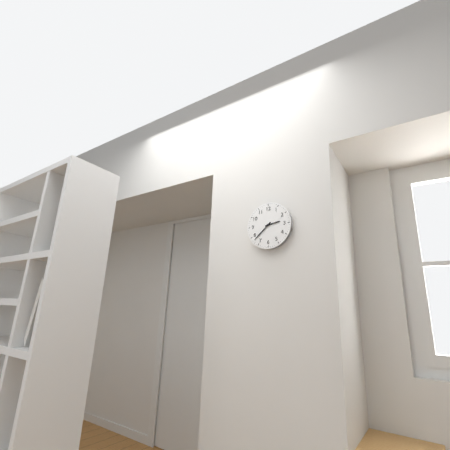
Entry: 2 h 38 min
